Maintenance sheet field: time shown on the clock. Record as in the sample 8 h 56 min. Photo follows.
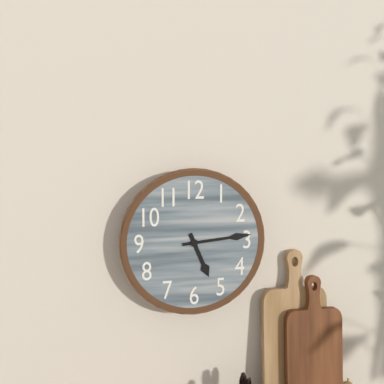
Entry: 5 h 14 min
